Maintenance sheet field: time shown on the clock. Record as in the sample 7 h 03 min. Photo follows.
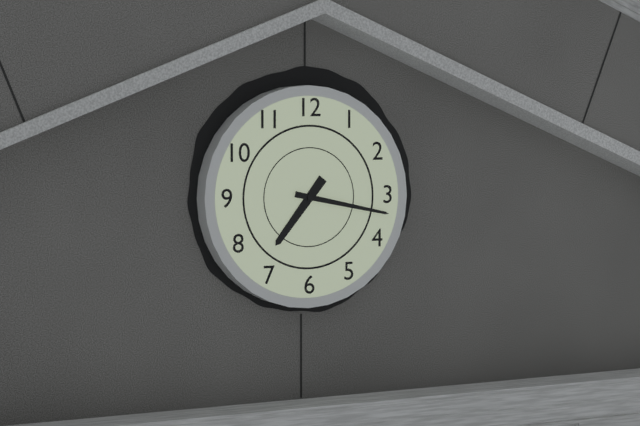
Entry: 7 h 17 min
